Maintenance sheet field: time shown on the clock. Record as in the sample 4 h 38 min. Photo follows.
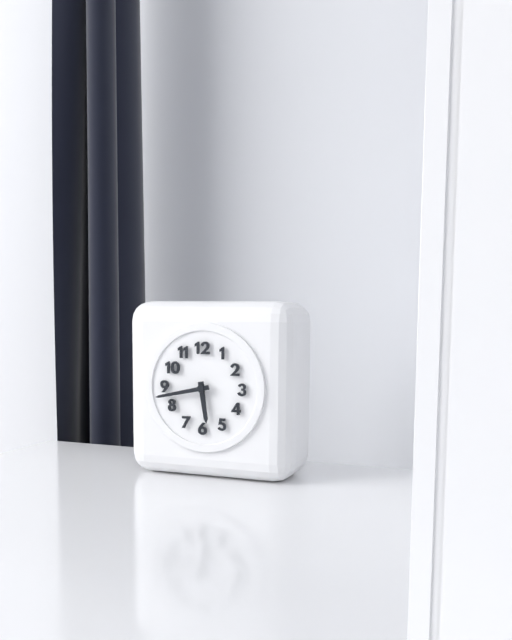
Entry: 5 h 43 min
